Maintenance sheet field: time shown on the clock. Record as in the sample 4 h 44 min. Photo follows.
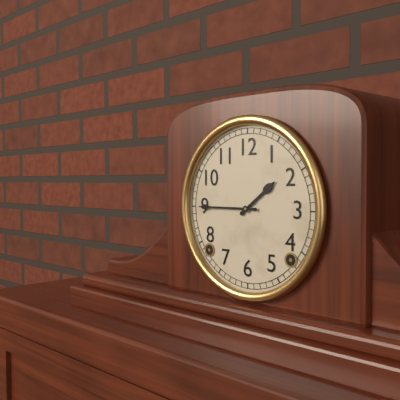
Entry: 1 h 45 min
